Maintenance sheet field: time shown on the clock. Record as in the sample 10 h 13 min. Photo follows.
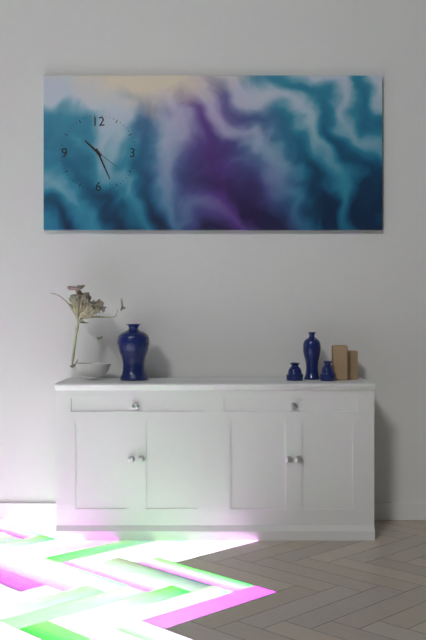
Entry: 10 h 26 min
